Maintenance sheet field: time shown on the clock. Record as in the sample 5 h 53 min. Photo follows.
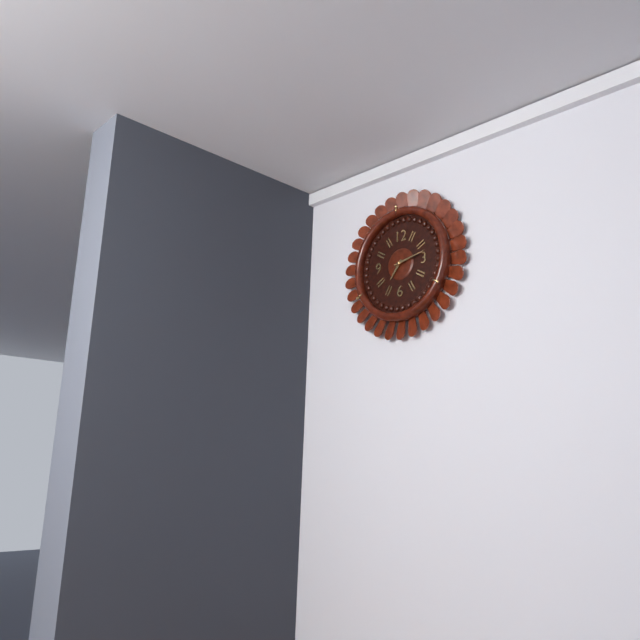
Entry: 7 h 13 min
